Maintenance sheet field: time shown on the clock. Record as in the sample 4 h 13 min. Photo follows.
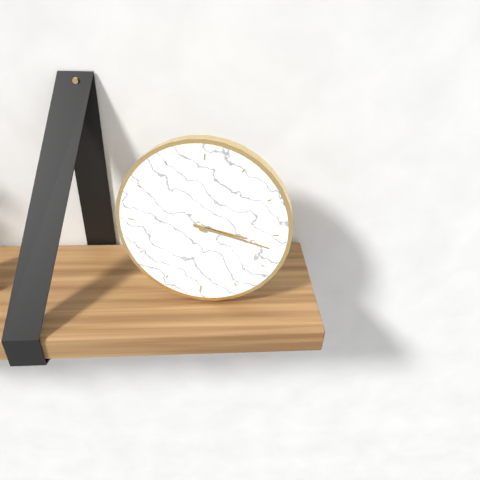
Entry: 3 h 17 min
